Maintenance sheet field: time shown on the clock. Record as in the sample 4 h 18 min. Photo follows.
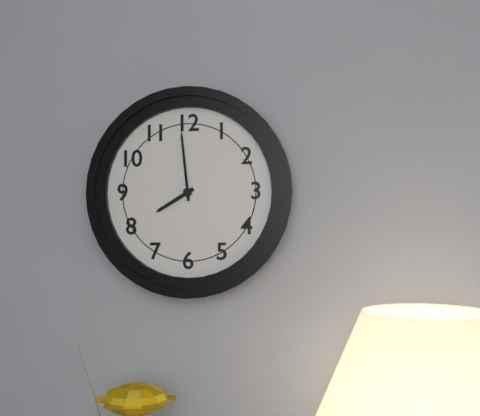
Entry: 7 h 59 min
